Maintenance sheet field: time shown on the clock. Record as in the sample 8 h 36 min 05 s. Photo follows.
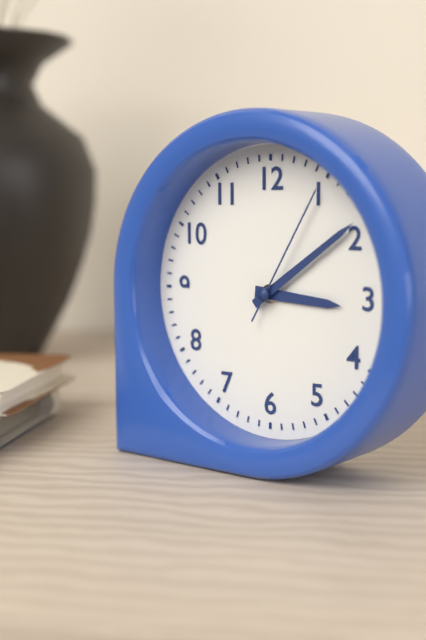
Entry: 3 h 09 min 05 s
